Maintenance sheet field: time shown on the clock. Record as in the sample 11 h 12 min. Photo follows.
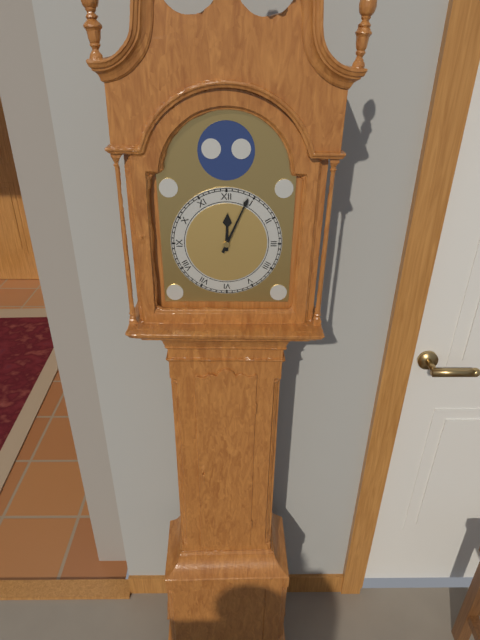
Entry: 12 h 04 min
